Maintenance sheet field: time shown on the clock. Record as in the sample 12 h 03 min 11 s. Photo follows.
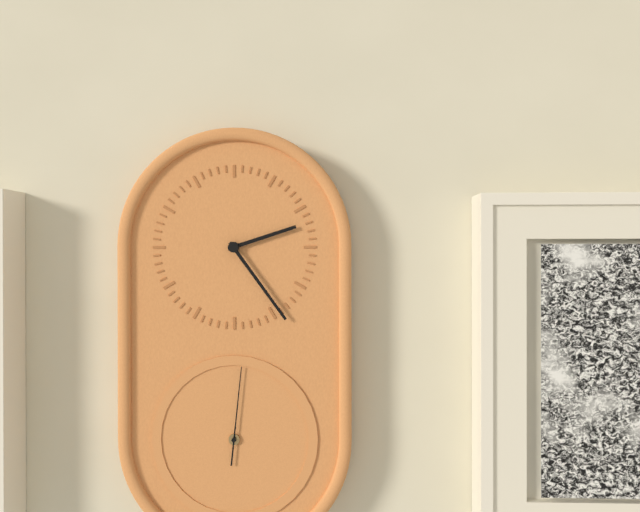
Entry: 2 h 24 min 01 s
